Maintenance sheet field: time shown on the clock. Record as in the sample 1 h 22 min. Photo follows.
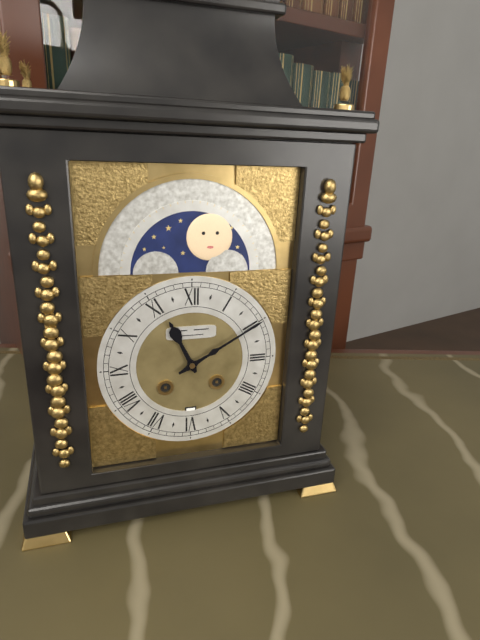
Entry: 11 h 10 min
